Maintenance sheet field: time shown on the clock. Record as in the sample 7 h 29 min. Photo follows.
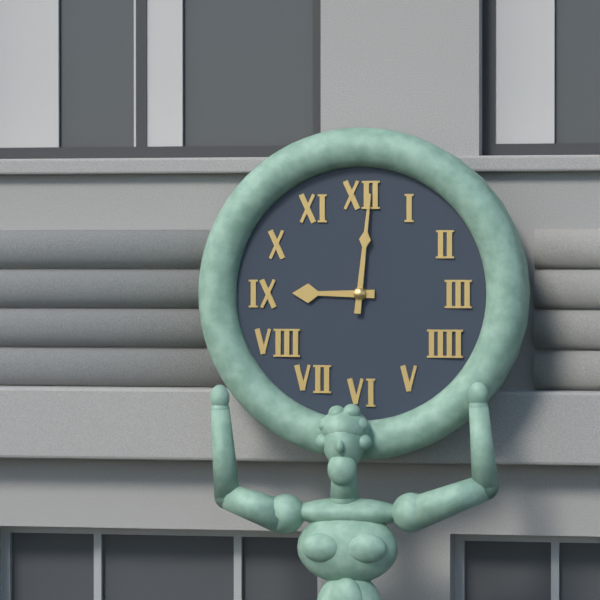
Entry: 9 h 01 min
